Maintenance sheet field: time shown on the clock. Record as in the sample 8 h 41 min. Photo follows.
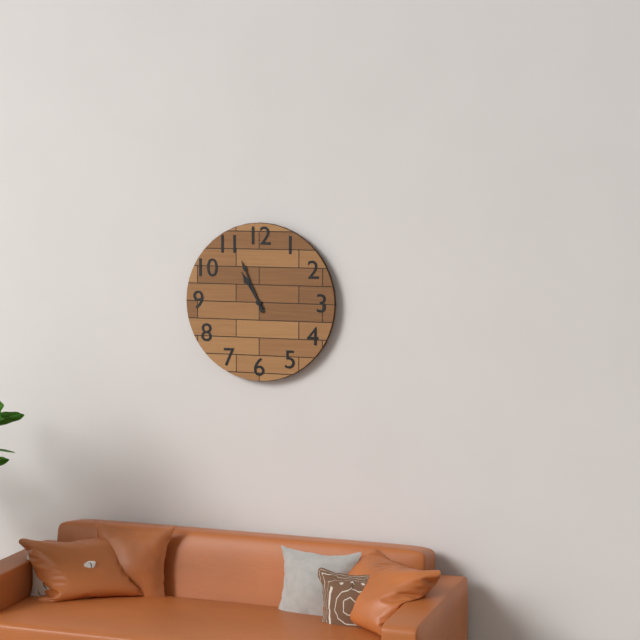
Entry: 10 h 56 min
